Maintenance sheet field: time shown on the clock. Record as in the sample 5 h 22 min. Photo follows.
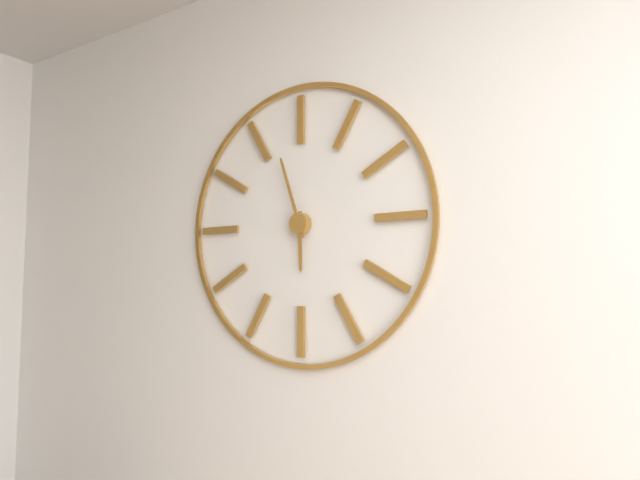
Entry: 5 h 57 min
